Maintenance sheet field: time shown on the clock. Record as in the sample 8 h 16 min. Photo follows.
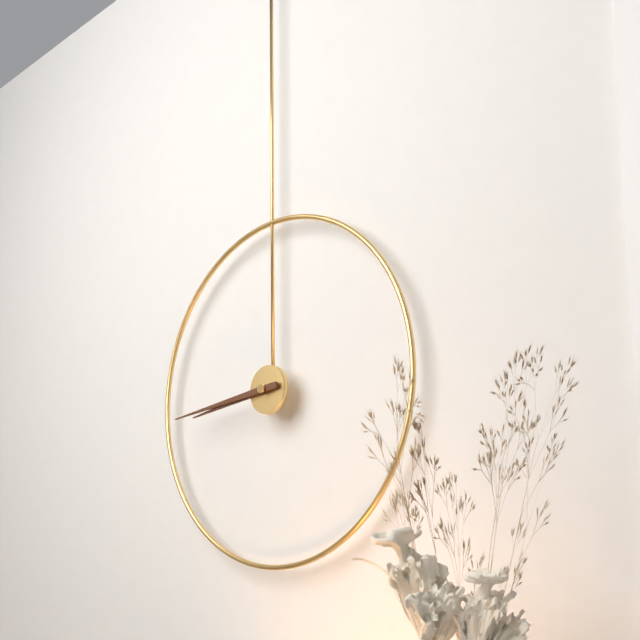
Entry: 8 h 44 min
